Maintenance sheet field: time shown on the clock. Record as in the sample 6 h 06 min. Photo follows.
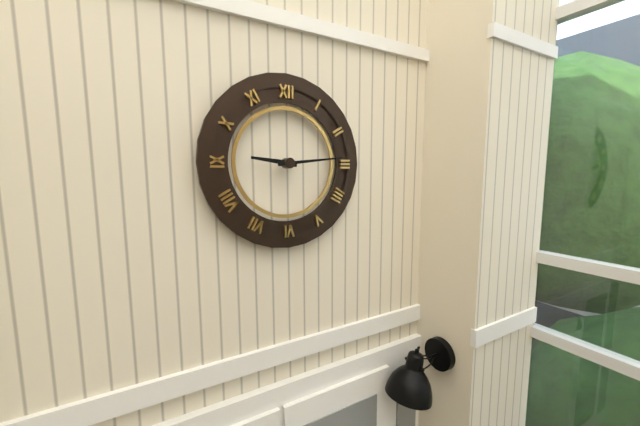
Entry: 9 h 14 min
